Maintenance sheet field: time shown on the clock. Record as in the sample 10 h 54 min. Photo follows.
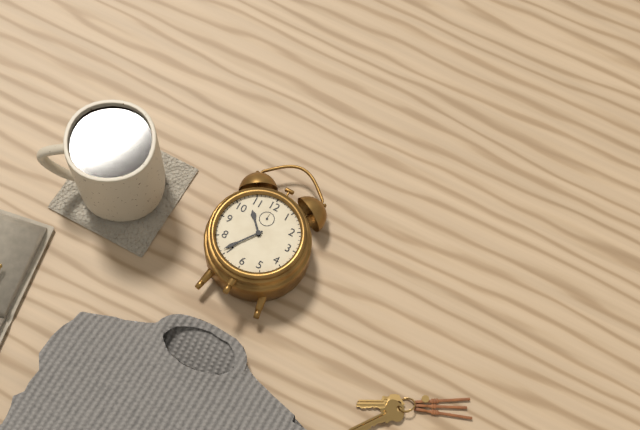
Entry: 10 h 36 min
